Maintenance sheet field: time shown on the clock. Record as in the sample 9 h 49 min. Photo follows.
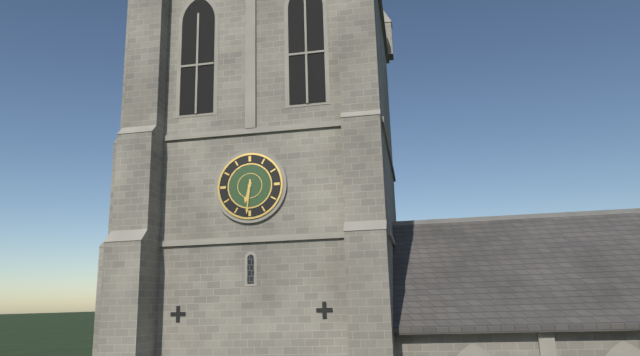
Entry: 6 h 31 min
